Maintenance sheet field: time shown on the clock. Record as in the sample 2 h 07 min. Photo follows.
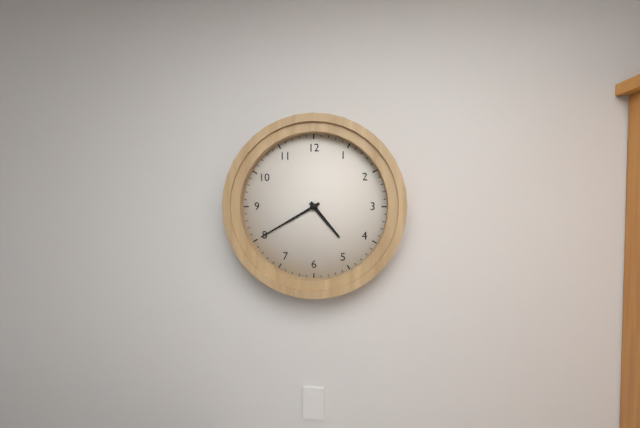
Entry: 4 h 40 min
